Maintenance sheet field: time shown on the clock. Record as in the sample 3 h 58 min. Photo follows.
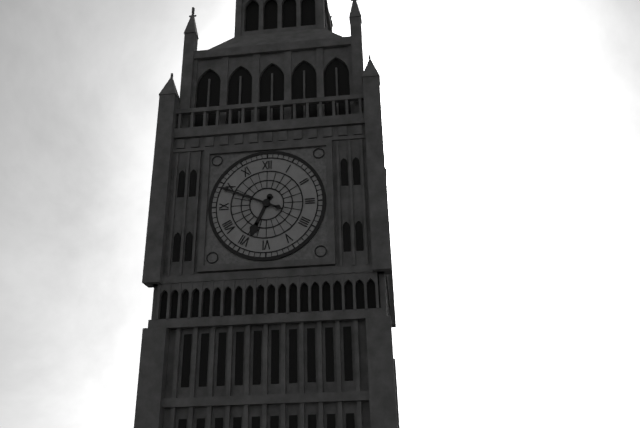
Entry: 6 h 49 min
